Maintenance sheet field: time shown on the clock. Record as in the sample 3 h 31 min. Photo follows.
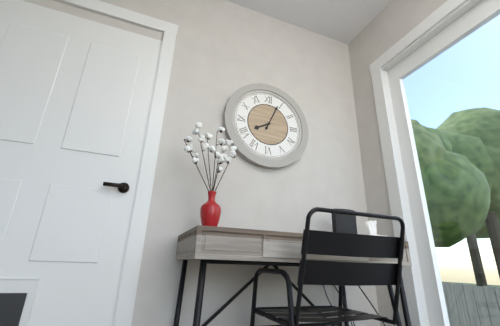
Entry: 8 h 04 min
